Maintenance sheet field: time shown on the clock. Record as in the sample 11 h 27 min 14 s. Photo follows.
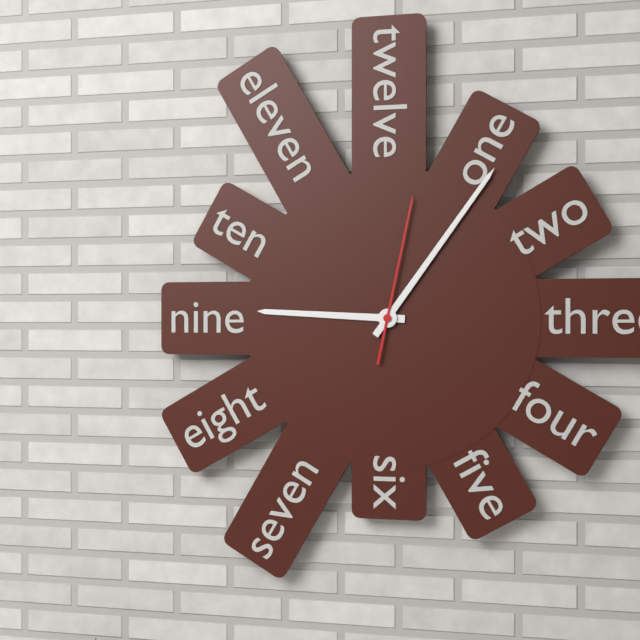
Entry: 9 h 06 min 02 s
